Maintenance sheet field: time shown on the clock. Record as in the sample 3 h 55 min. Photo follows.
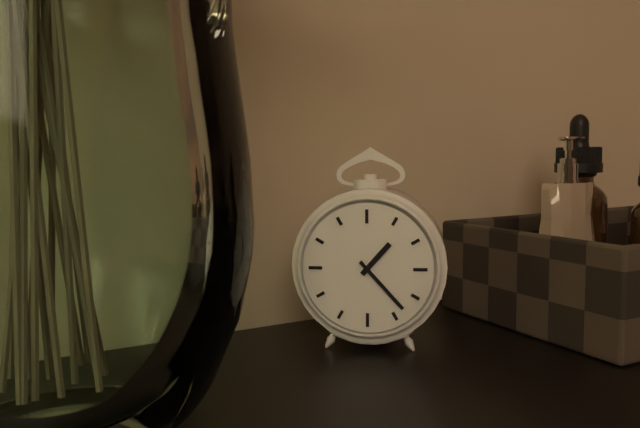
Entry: 1 h 23 min
